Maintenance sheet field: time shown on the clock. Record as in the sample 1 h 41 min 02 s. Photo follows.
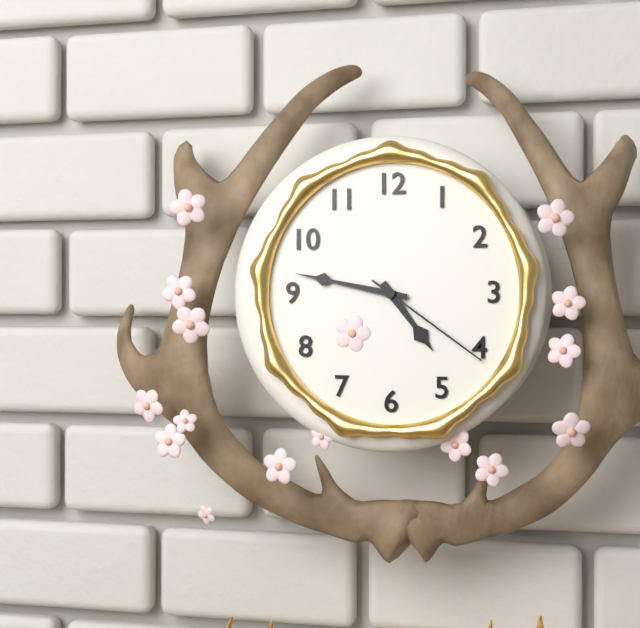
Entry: 4 h 47 min 21 s
